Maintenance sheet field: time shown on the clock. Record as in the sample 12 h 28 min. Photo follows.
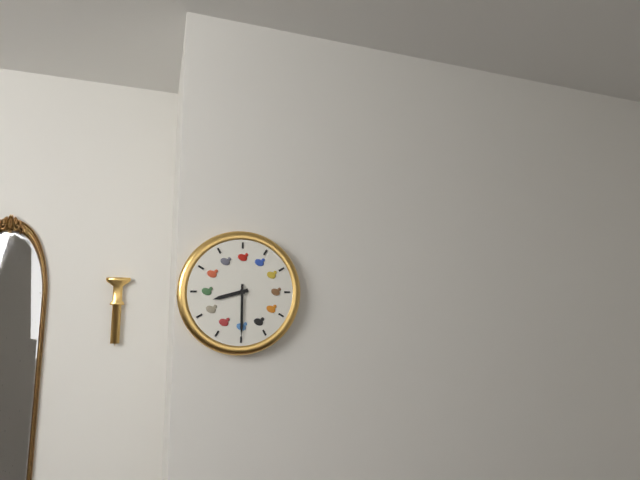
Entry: 8 h 30 min
